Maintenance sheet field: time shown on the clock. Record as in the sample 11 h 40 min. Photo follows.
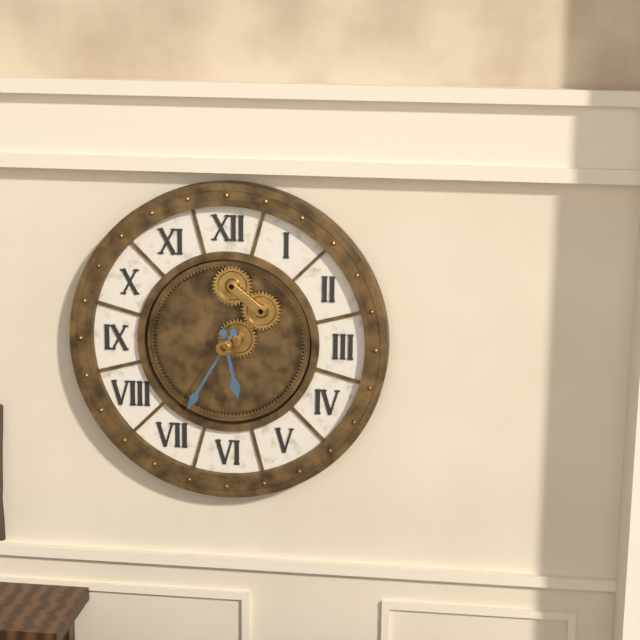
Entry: 5 h 35 min
